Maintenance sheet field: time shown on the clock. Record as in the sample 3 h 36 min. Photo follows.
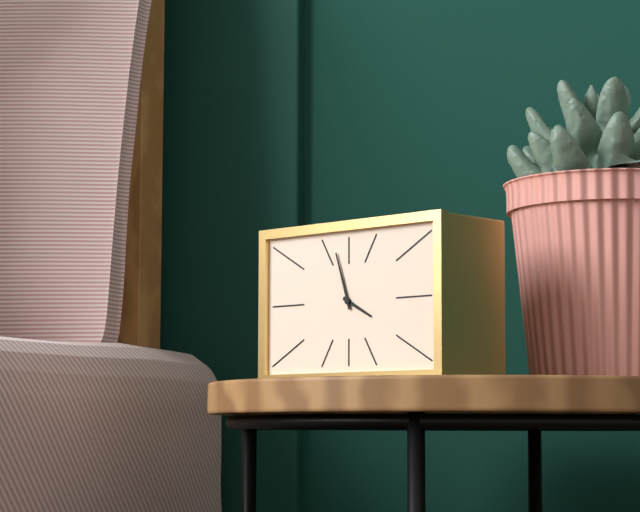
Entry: 3 h 57 min
